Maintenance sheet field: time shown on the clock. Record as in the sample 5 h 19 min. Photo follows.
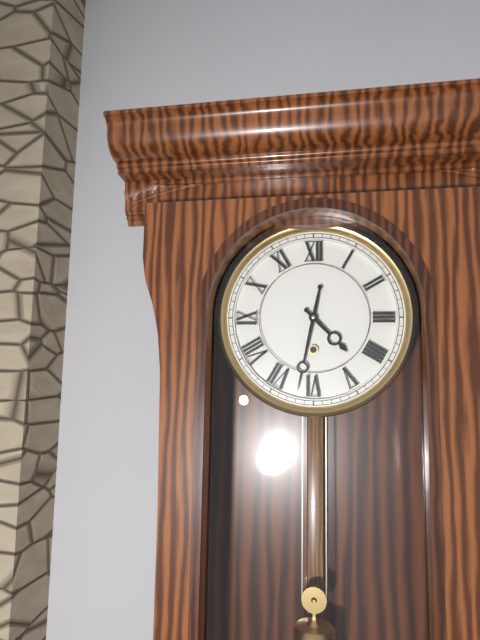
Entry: 4 h 32 min
